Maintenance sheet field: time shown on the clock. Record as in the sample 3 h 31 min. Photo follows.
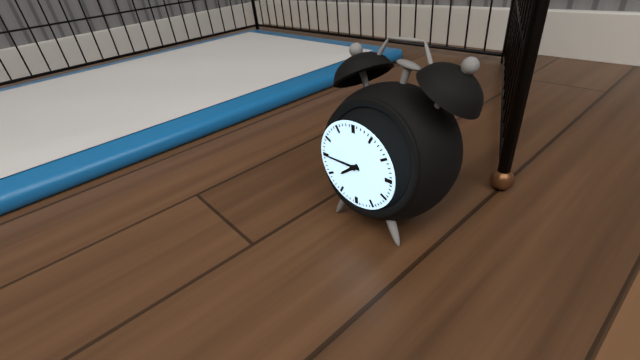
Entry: 7 h 45 min
